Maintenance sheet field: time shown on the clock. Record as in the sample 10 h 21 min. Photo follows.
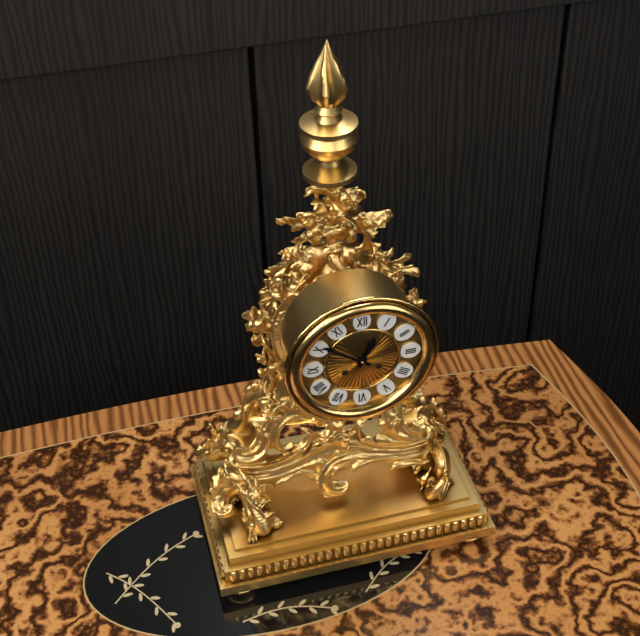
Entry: 12 h 51 min
